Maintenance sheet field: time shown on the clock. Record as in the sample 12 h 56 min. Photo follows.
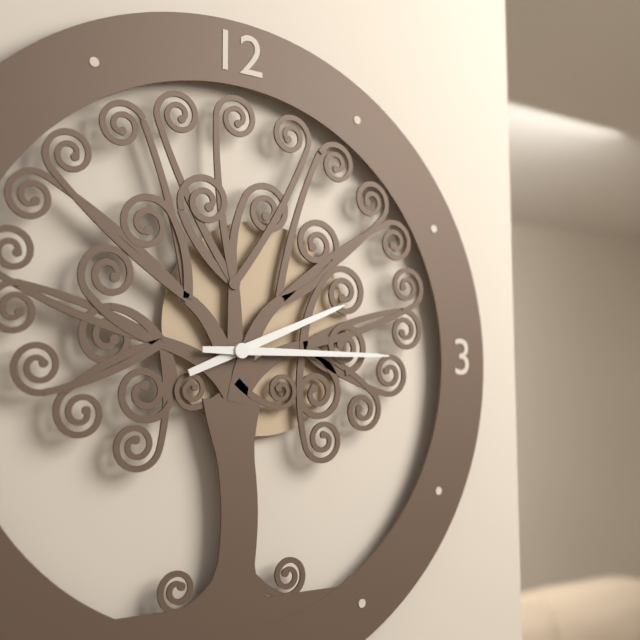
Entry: 2 h 15 min
